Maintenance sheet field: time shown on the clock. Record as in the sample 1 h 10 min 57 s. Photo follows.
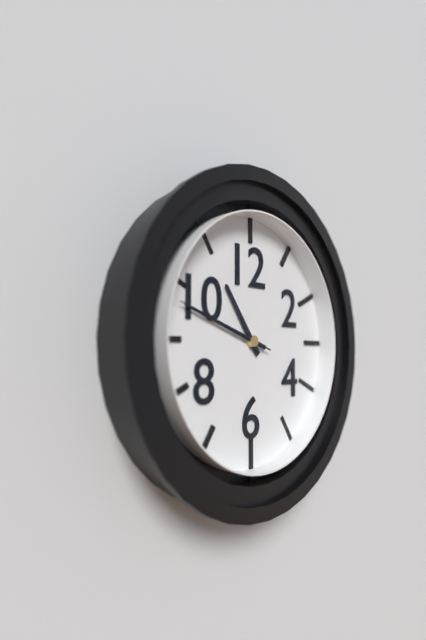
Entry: 10 h 48 min 48 s
